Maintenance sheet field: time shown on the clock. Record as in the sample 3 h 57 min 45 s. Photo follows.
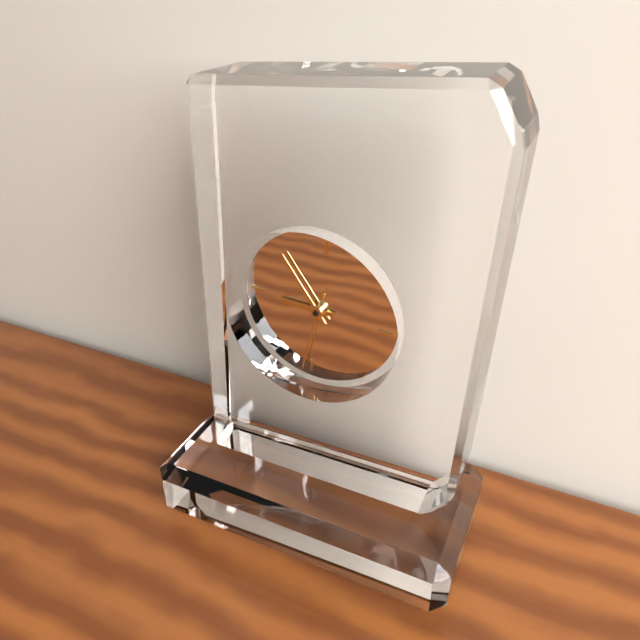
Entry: 8 h 53 min 31 s
